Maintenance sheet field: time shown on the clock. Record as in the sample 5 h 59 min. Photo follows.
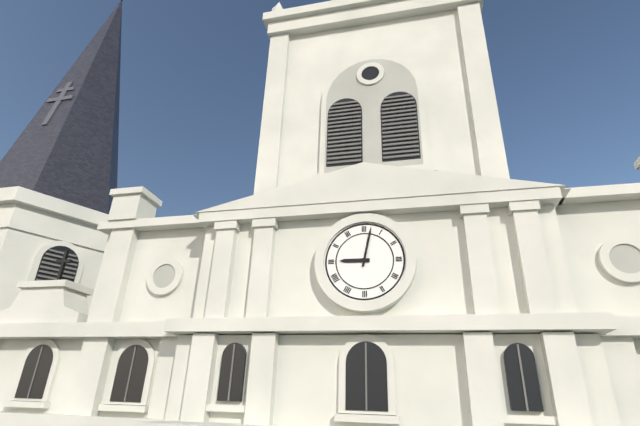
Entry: 9 h 02 min
